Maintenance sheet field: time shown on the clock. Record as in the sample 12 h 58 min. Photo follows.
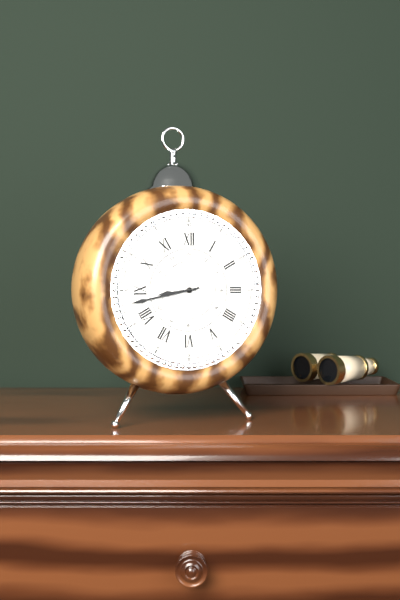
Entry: 8 h 43 min
